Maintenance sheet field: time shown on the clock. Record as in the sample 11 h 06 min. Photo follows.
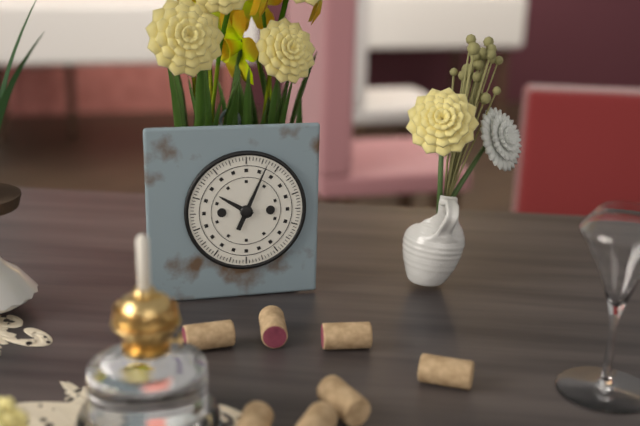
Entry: 10 h 04 min
